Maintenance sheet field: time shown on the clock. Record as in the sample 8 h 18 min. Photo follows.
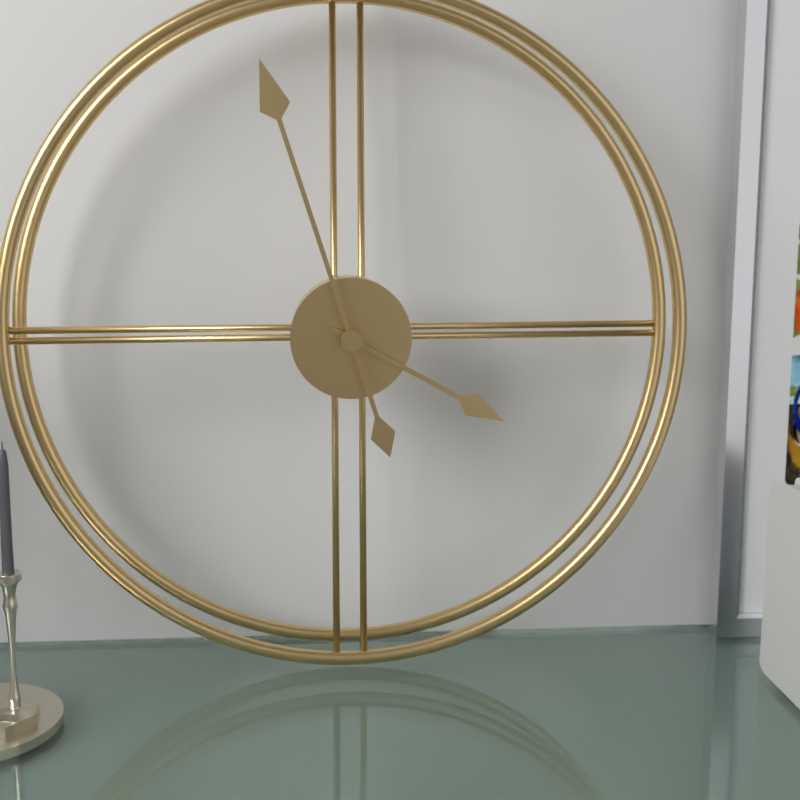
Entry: 3 h 57 min
